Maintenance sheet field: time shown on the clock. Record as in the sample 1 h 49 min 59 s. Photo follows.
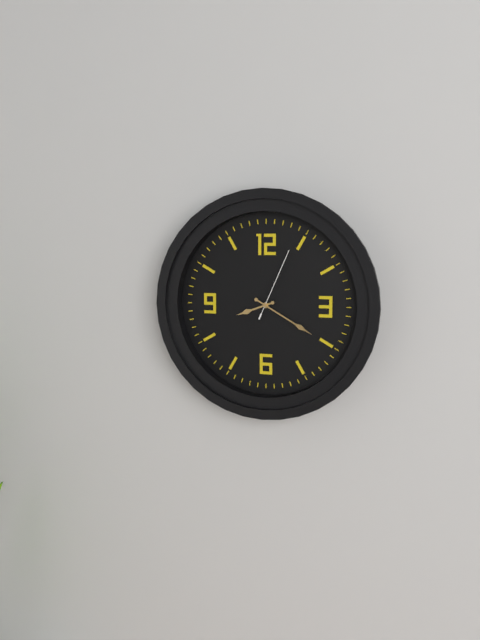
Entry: 8 h 20 min 04 s
